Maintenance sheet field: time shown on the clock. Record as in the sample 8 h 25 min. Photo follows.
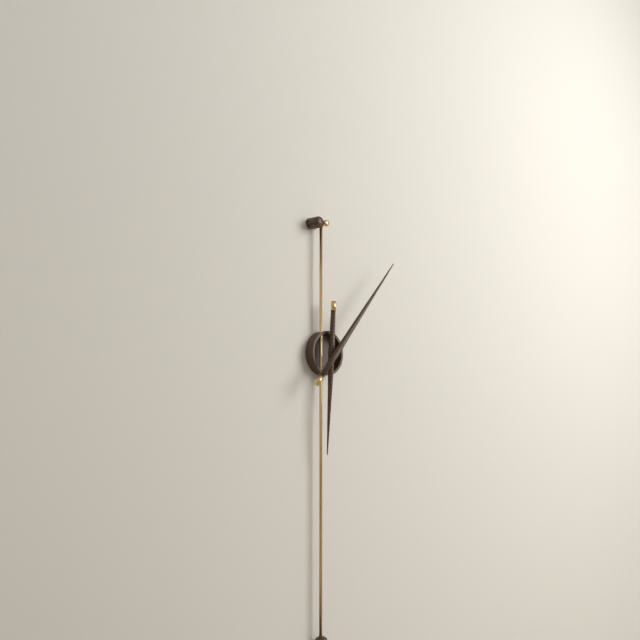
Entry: 6 h 07 min
